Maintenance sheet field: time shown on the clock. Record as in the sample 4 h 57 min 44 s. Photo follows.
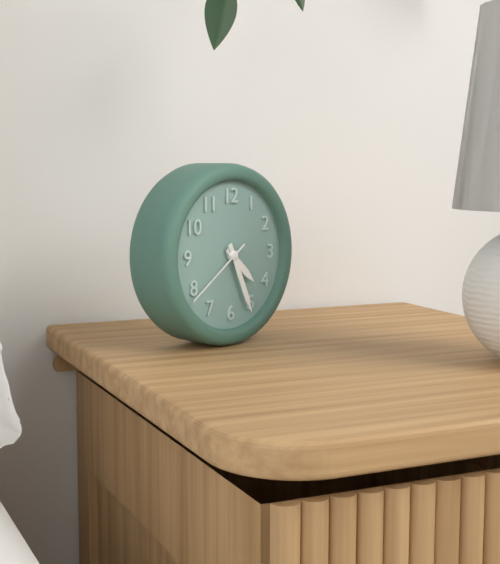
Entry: 4 h 26 min 39 s
